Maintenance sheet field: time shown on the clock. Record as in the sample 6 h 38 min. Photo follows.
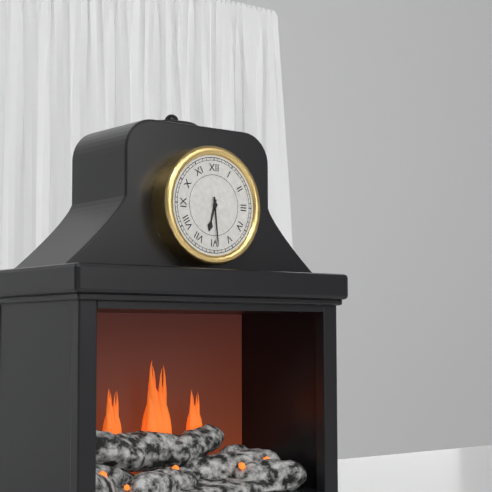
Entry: 6 h 29 min
